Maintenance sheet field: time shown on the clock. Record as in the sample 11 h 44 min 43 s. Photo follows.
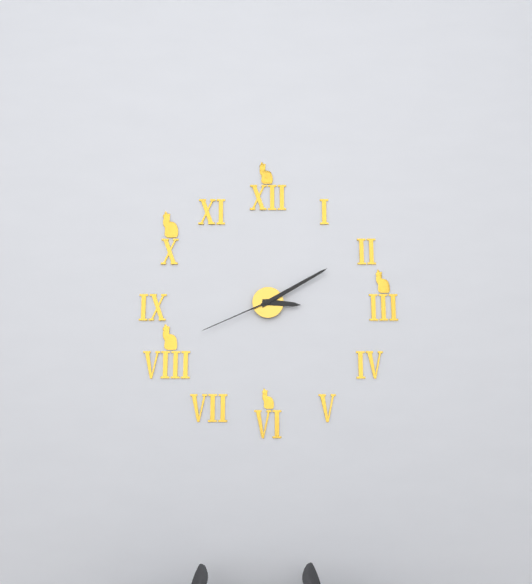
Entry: 3 h 10 min 41 s
